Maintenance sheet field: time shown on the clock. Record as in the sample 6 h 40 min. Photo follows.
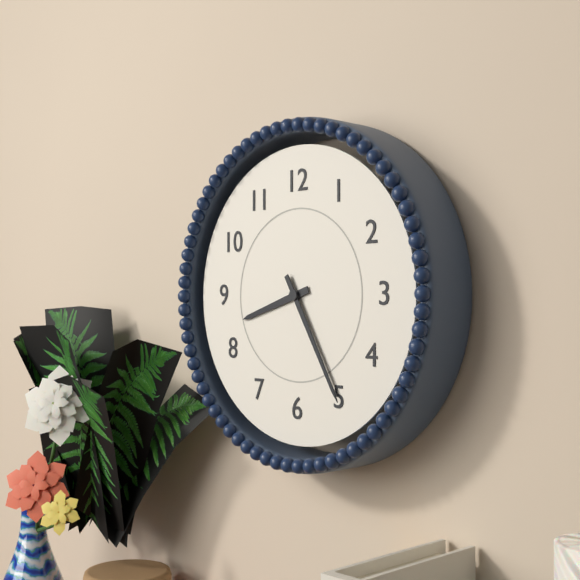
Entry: 8 h 25 min
